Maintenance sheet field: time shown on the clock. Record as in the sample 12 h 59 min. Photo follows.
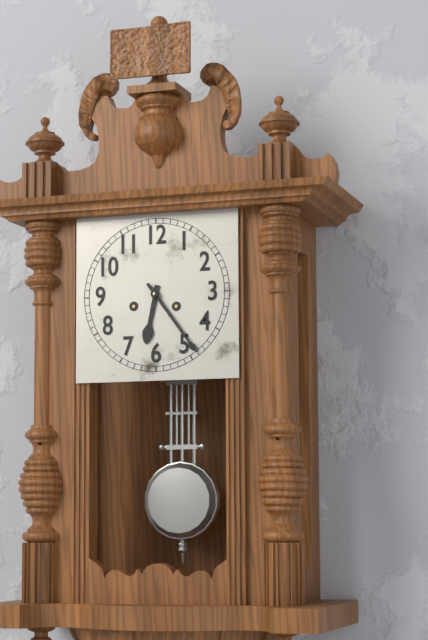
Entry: 6 h 24 min
